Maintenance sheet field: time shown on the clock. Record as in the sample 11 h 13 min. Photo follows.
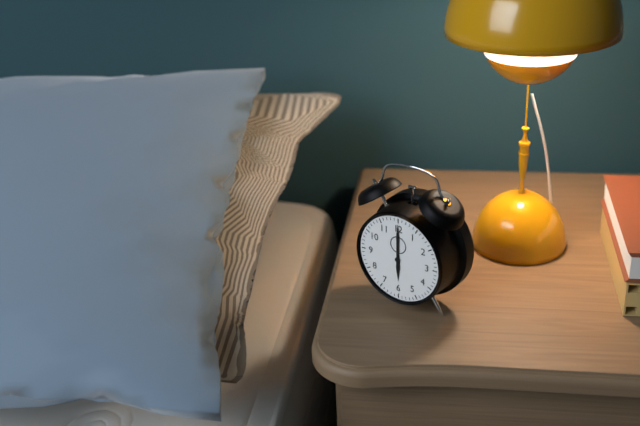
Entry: 6 h 00 min
